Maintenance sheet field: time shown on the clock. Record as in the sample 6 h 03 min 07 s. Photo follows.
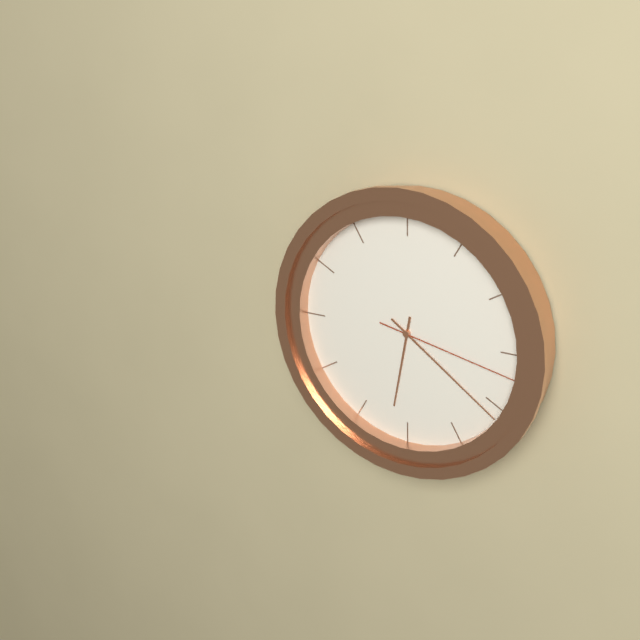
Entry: 6 h 21 min 17 s
